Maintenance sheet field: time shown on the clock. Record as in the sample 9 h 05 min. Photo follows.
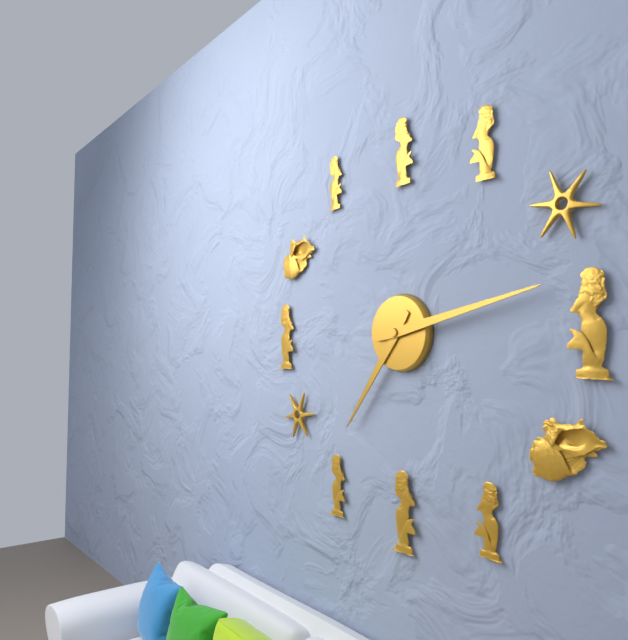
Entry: 7 h 13 min
